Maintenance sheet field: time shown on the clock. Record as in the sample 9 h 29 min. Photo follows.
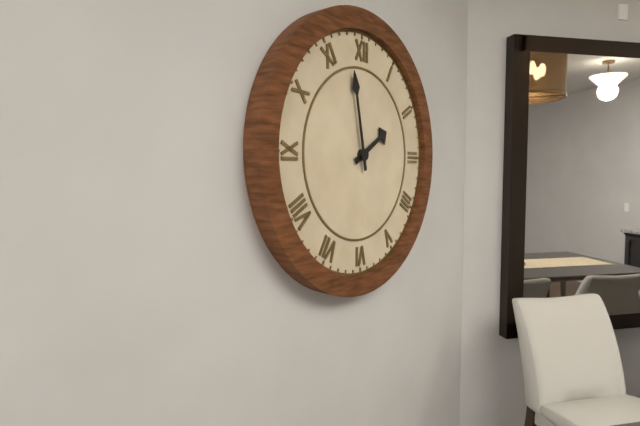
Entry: 1 h 58 min
